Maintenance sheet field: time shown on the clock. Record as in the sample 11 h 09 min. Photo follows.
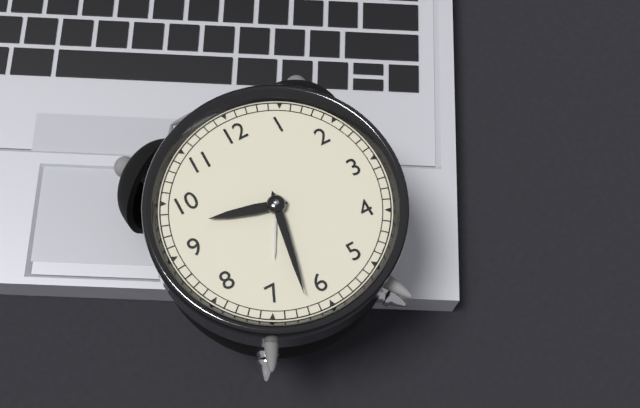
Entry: 9 h 32 min
